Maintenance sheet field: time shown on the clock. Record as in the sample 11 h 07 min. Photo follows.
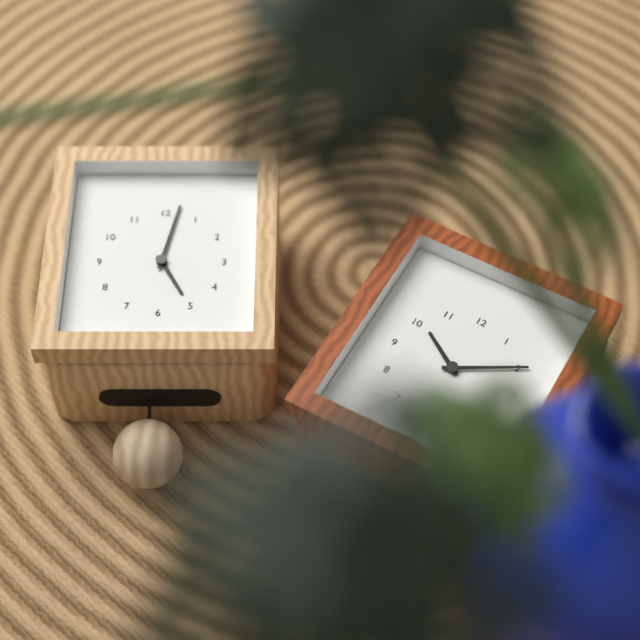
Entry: 5 h 02 min
